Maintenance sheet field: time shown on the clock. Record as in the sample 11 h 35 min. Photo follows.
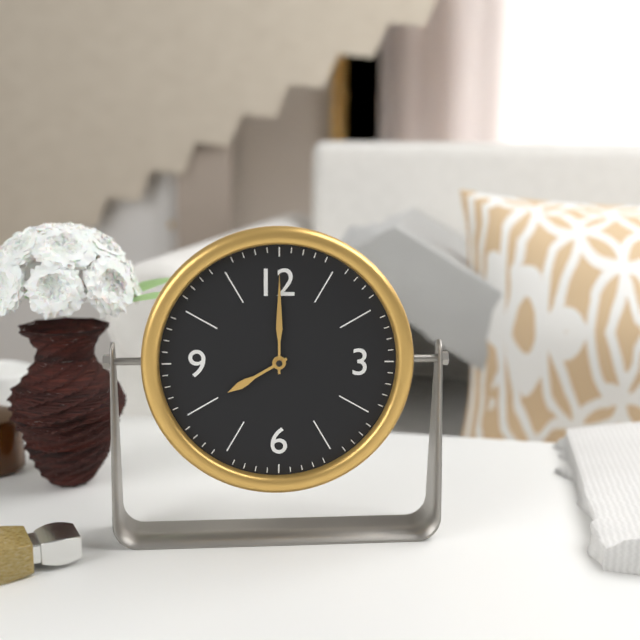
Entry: 8 h 00 min
